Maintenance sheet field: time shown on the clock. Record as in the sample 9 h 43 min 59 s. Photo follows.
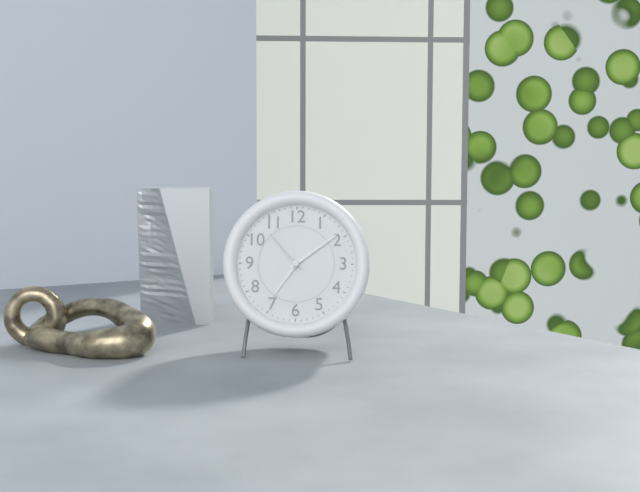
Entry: 7 h 09 min 53 s
